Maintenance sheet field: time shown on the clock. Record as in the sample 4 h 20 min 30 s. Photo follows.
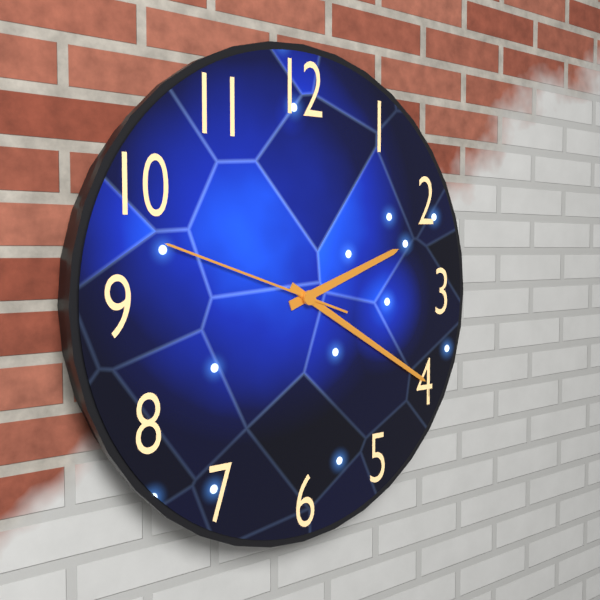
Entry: 2 h 20 min 48 s
